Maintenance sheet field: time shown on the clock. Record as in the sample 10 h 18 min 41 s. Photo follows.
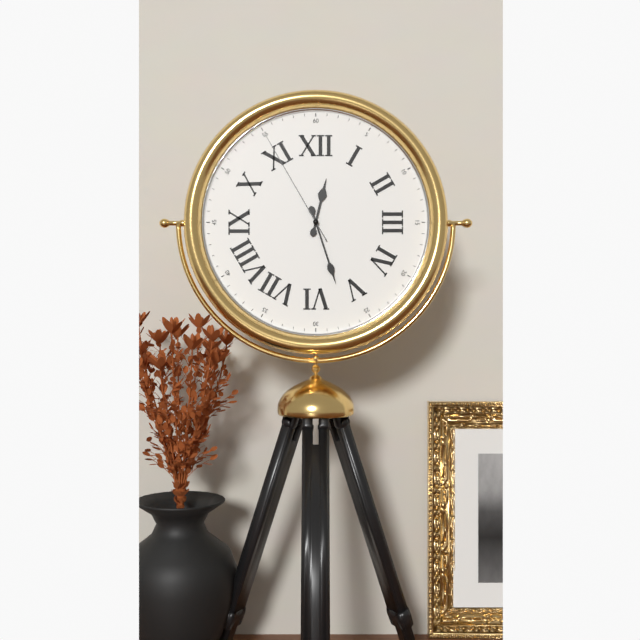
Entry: 12 h 27 min 55 s
